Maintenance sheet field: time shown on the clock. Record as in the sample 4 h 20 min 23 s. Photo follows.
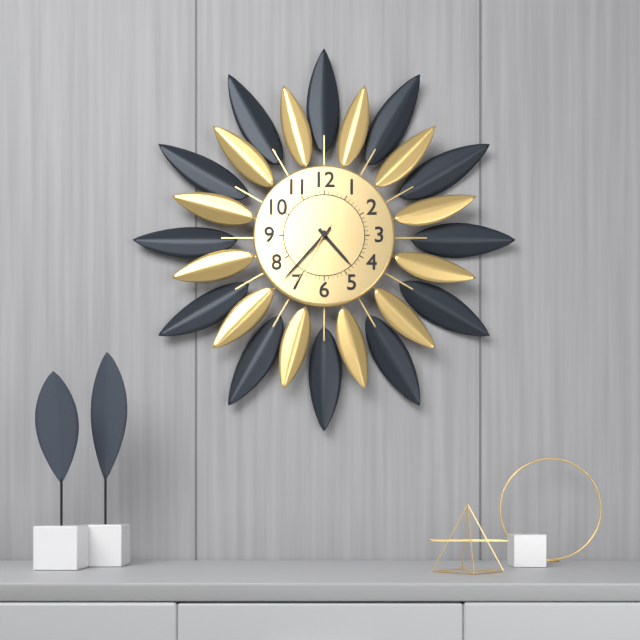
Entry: 4 h 37 min 35 s
